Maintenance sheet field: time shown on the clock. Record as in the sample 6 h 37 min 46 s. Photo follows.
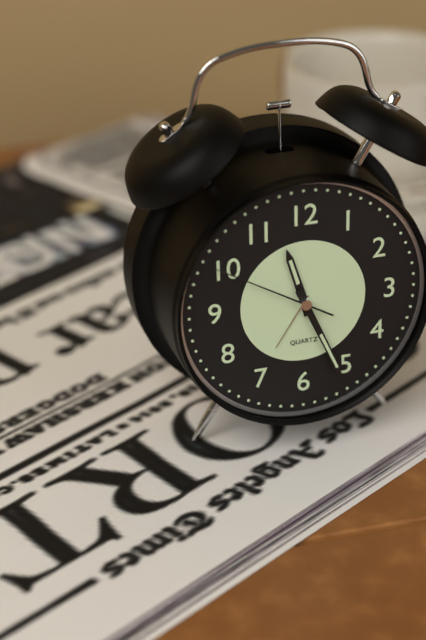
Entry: 11 h 26 min 50 s
